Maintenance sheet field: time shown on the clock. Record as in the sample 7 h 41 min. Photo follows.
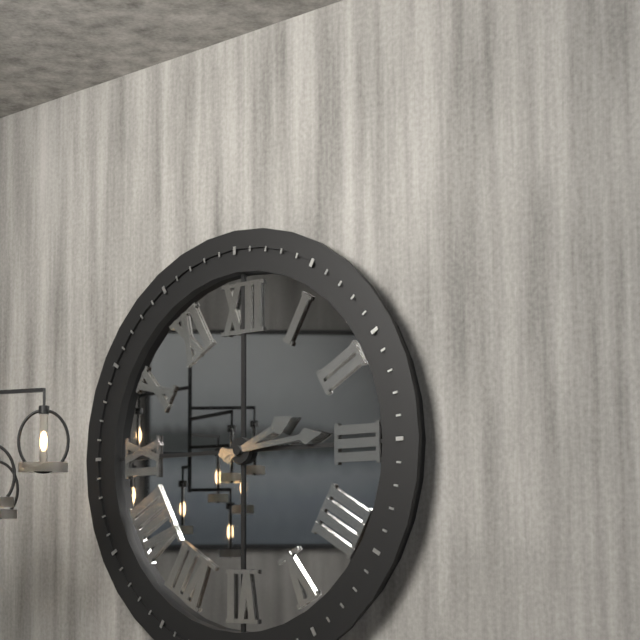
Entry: 2 h 14 min
